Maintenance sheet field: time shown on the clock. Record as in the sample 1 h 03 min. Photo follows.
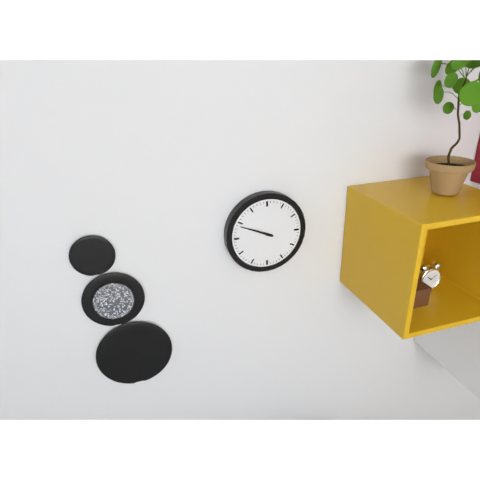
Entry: 9 h 49 min
